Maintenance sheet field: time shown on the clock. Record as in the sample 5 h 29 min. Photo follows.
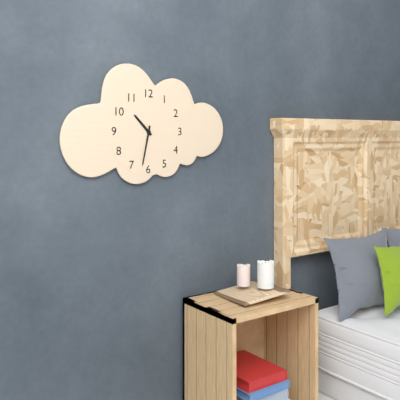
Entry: 10 h 32 min
